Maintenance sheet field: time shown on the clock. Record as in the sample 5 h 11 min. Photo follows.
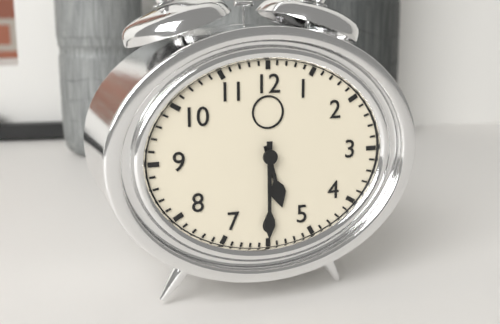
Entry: 5 h 30 min
